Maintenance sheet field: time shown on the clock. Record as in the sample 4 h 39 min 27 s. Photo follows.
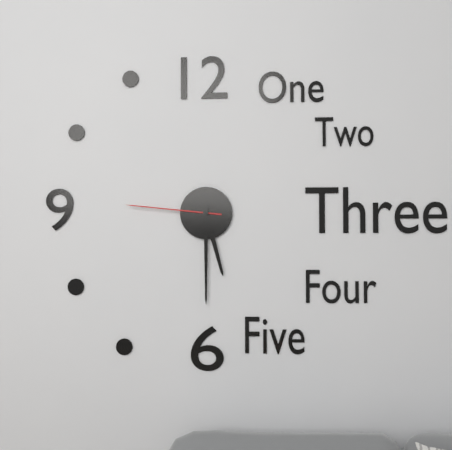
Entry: 5 h 30 min 46 s
